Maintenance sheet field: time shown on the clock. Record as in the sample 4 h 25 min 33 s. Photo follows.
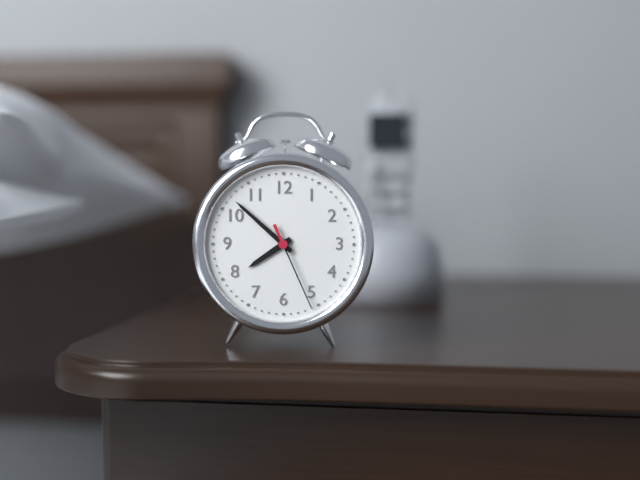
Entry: 7 h 52 min 26 s
